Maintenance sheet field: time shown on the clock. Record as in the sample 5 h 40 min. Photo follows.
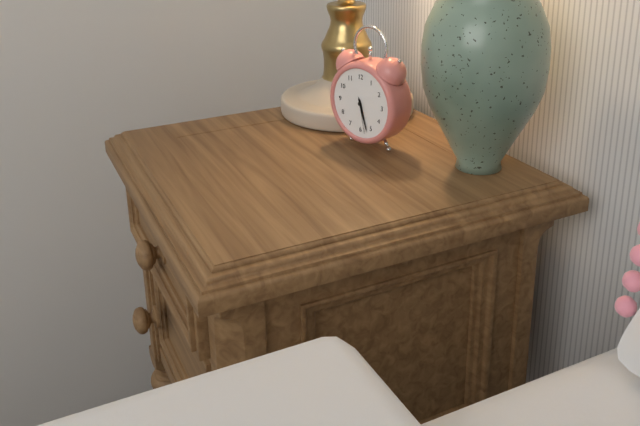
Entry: 5 h 27 min
